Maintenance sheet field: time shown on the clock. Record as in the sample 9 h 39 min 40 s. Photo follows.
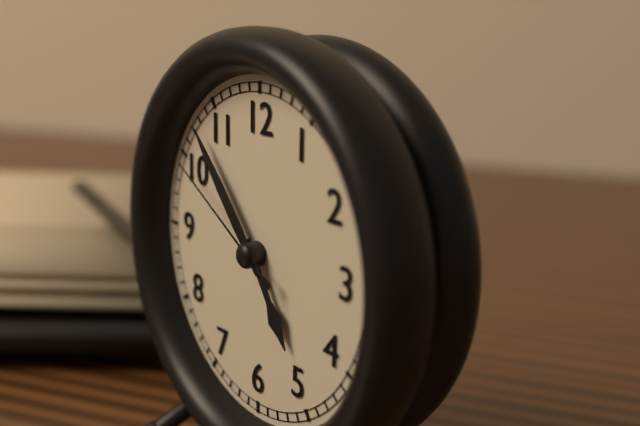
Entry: 4 h 53 min 50 s
